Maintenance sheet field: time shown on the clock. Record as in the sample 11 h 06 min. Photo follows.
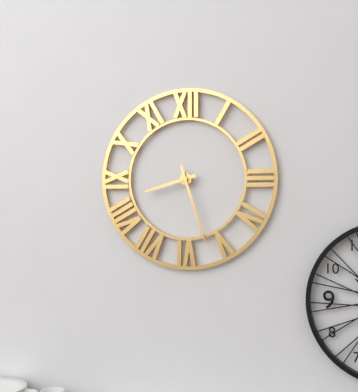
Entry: 8 h 27 min
